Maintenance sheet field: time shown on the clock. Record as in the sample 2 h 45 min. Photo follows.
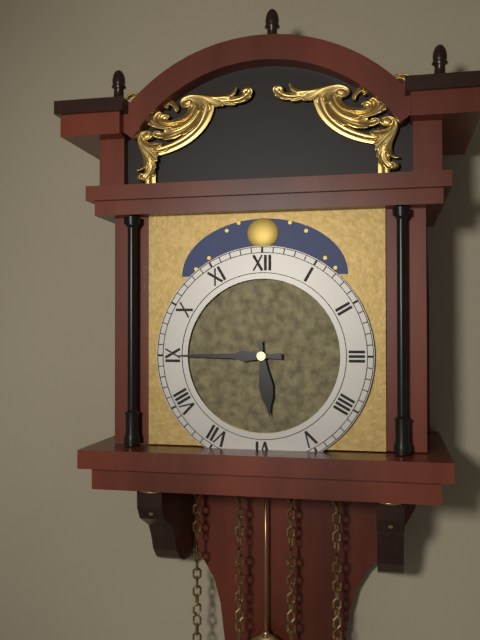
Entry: 5 h 45 min
